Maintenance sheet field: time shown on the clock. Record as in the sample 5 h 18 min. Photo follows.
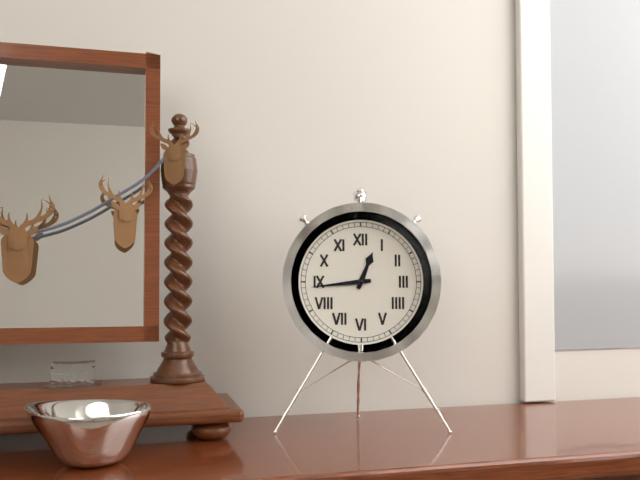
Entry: 12 h 44 min
